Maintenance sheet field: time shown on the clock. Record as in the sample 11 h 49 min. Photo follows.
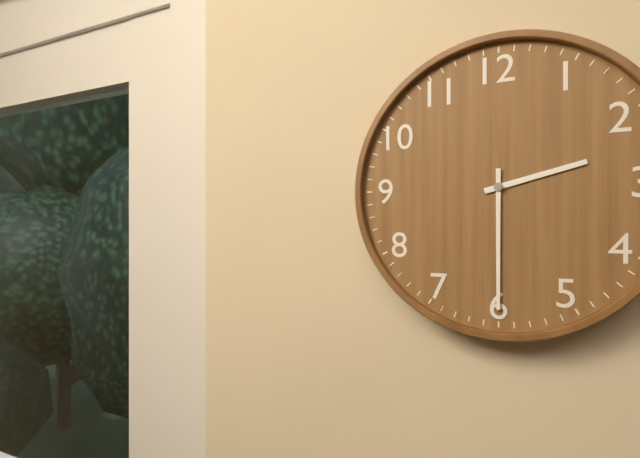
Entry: 2 h 30 min
